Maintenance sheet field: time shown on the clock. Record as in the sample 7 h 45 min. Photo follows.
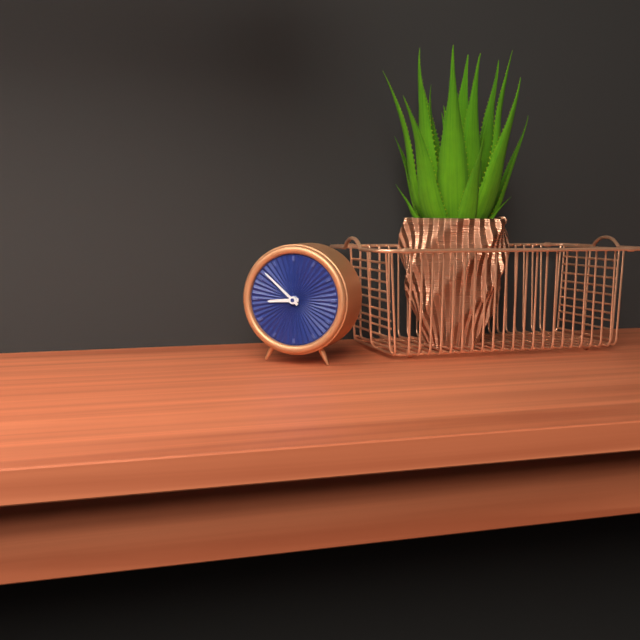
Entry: 8 h 52 min
